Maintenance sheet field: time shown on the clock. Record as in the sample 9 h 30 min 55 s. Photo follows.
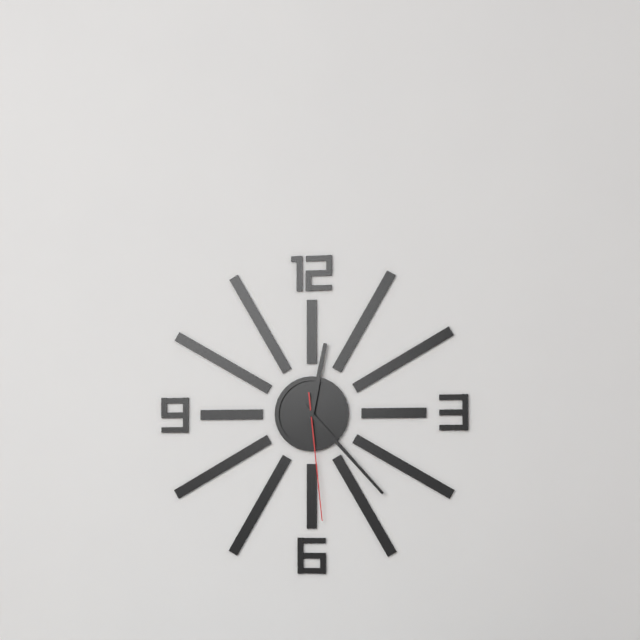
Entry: 12 h 23 min 29 s
